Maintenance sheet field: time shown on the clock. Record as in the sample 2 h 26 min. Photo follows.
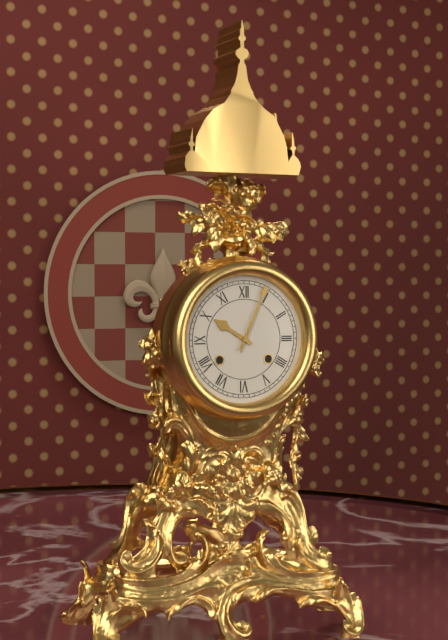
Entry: 10 h 04 min
